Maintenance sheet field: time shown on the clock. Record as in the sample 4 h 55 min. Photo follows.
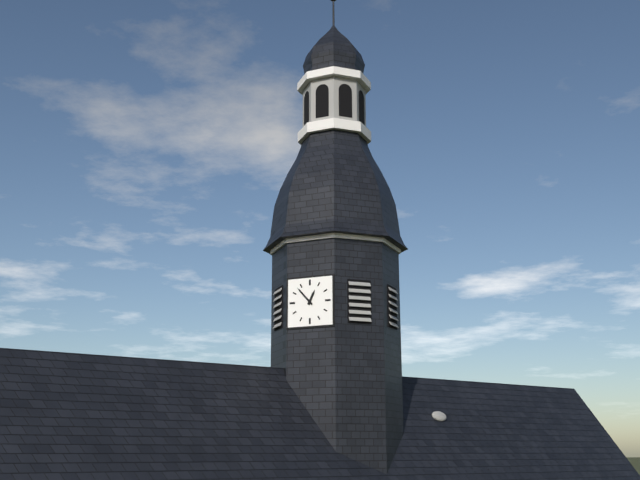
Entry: 12 h 53 min
